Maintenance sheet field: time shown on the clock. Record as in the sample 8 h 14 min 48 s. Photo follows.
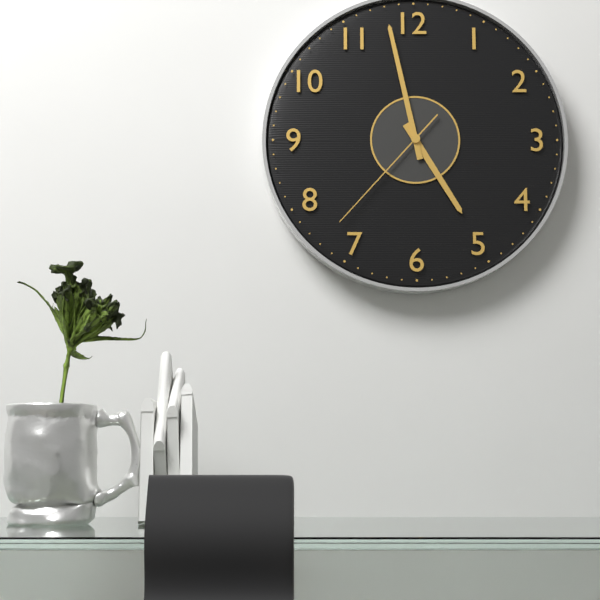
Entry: 4 h 58 min 37 s
